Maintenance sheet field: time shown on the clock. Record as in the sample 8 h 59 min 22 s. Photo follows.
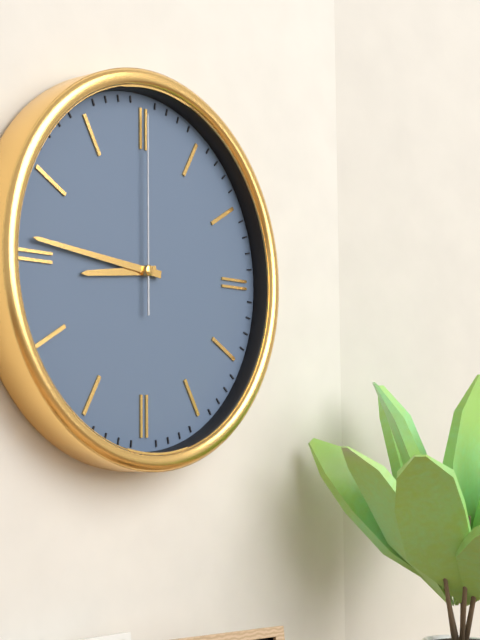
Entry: 8 h 46 min 00 s
